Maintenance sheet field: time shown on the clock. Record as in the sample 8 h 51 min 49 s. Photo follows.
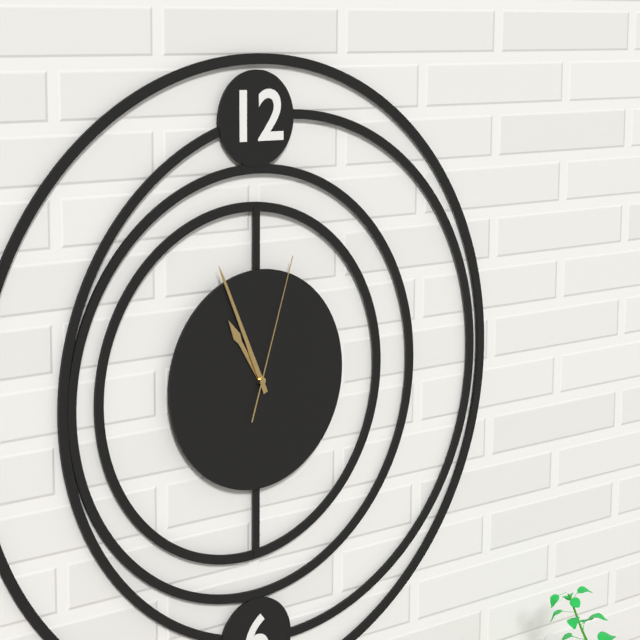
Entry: 10 h 56 min 03 s
